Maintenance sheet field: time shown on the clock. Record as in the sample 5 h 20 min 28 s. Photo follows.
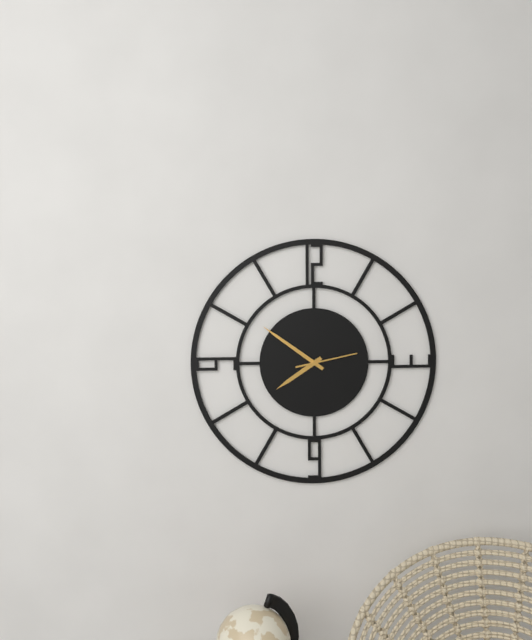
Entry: 7 h 51 min 13 s
